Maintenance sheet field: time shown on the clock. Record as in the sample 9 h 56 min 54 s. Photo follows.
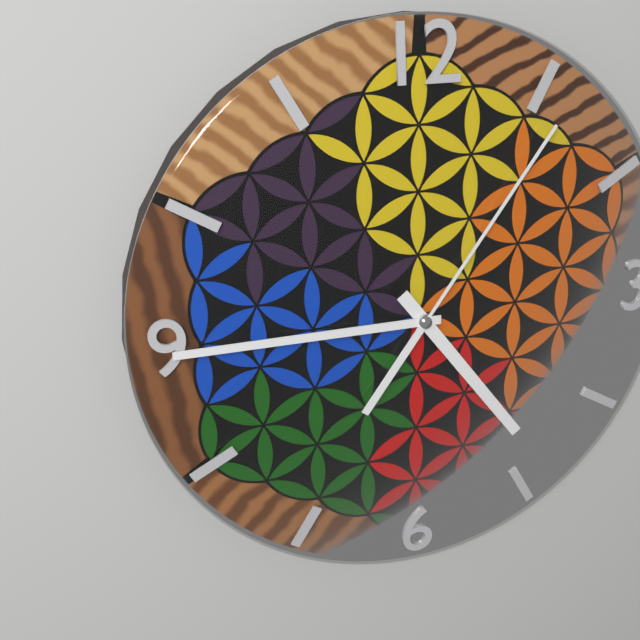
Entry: 4 h 45 min 06 s
